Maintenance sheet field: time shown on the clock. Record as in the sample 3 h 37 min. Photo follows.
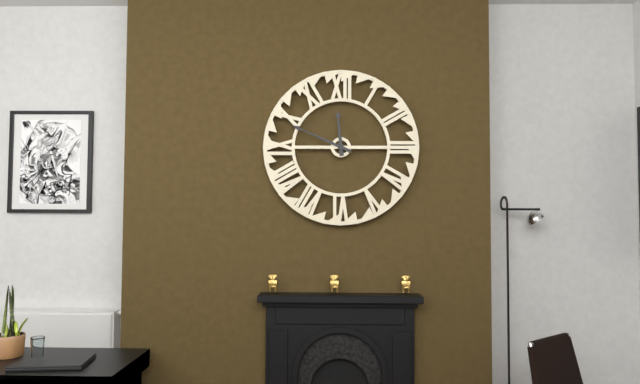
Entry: 11 h 49 min
